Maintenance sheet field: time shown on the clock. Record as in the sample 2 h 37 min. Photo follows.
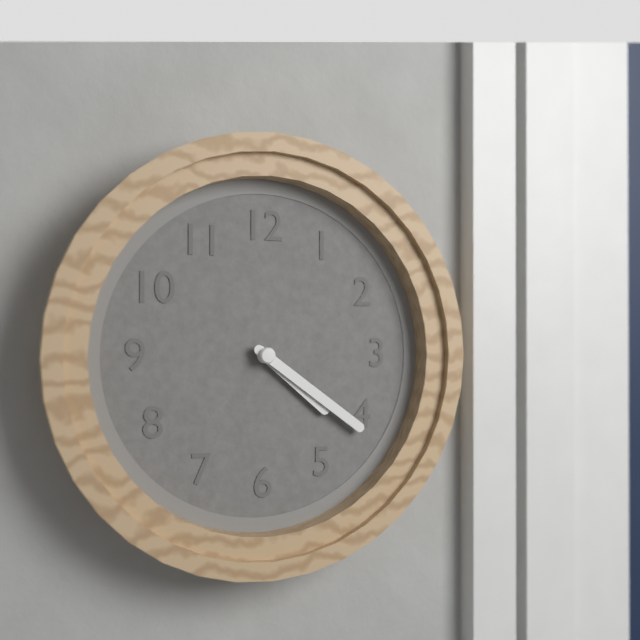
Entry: 4 h 21 min
